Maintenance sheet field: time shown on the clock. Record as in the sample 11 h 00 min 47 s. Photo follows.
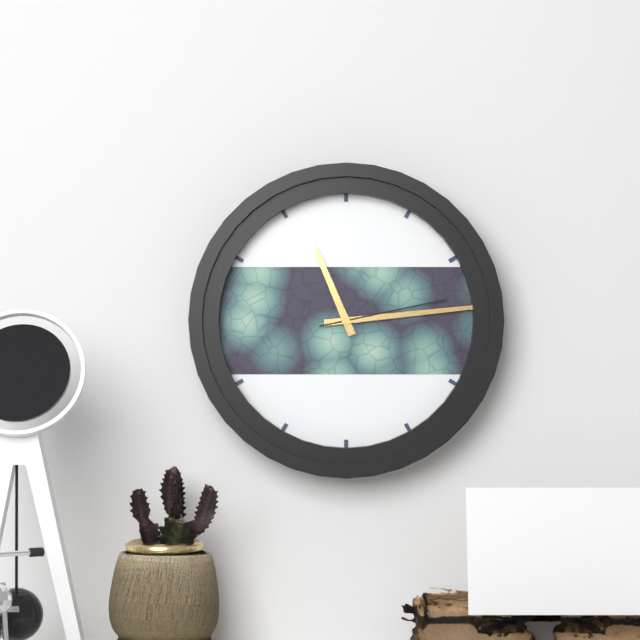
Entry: 11 h 14 min 13 s
